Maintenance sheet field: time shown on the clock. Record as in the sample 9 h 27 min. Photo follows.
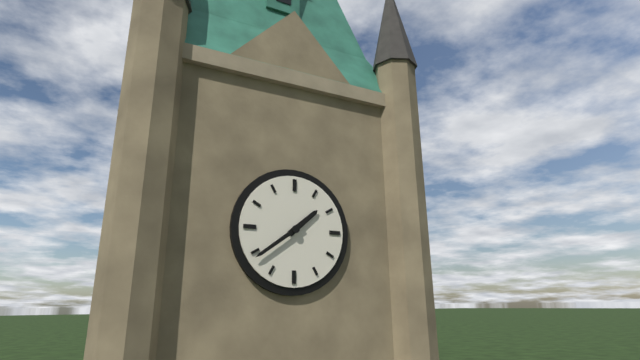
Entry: 1 h 39 min
